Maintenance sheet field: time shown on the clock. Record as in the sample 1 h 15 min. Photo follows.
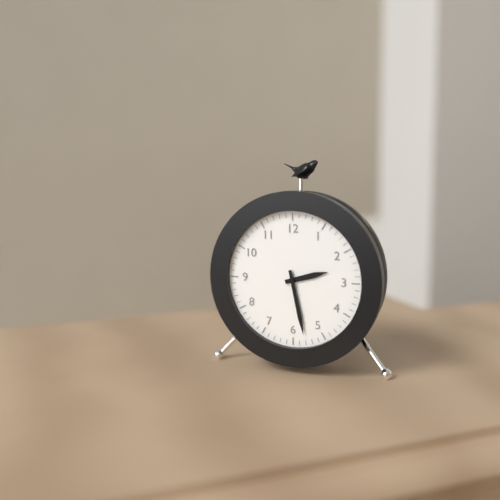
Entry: 2 h 28 min
